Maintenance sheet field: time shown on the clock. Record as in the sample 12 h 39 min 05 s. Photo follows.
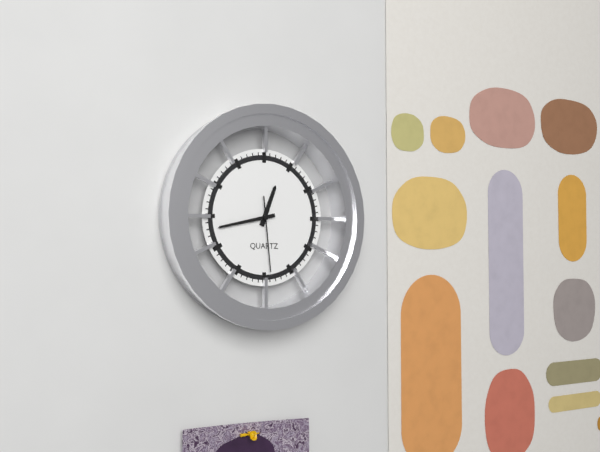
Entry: 12 h 43 min 29 s
